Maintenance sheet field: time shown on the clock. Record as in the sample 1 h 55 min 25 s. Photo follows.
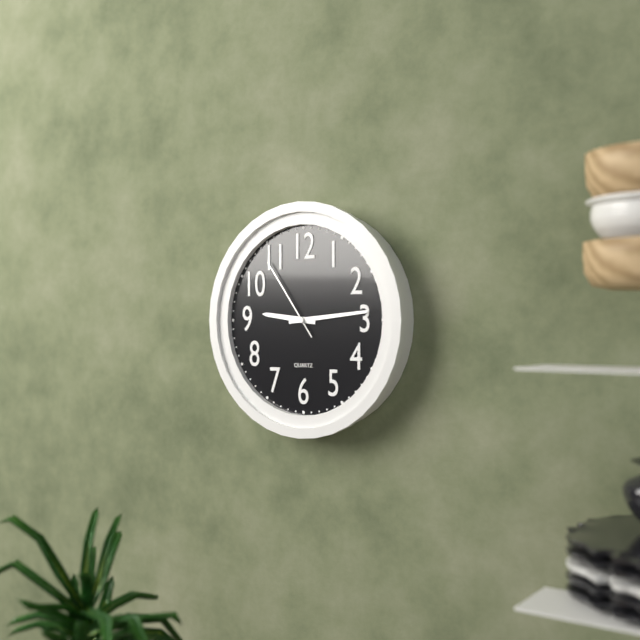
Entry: 9 h 14 min 54 s
